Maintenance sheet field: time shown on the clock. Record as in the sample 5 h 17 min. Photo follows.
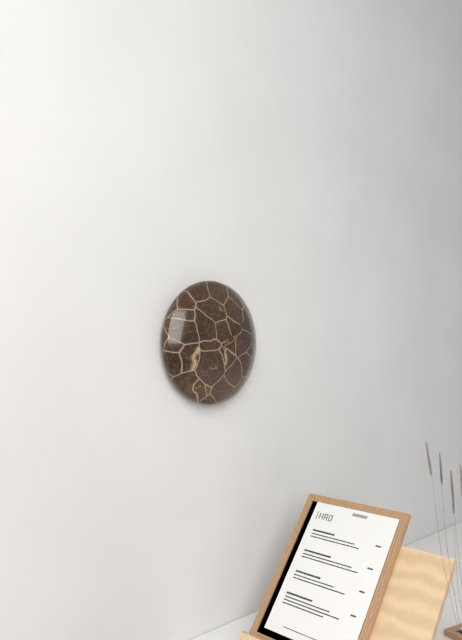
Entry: 2 h 08 min
